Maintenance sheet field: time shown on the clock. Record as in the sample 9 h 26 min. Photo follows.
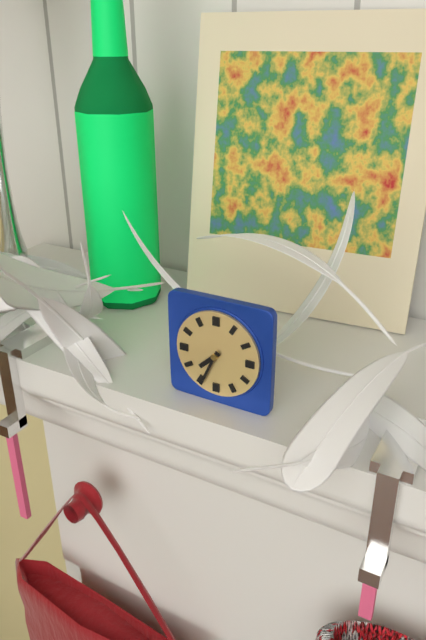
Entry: 7 h 34 min
